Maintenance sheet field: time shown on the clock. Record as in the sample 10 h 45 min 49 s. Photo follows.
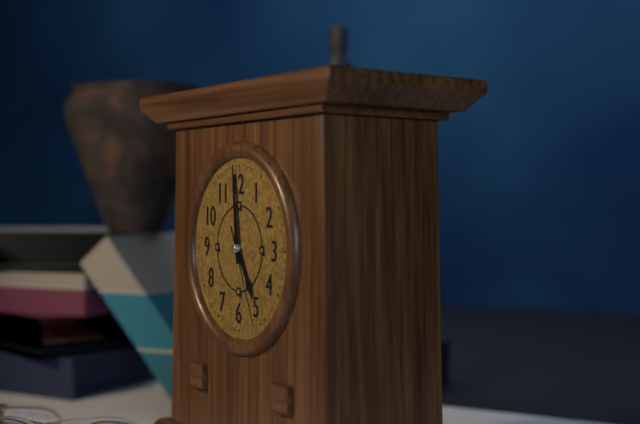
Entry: 4 h 59 min 26 s
